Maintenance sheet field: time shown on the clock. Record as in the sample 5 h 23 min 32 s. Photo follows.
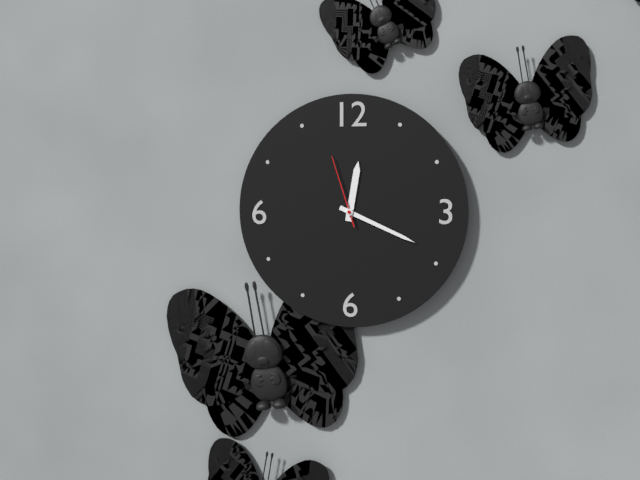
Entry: 12 h 19 min 57 s
